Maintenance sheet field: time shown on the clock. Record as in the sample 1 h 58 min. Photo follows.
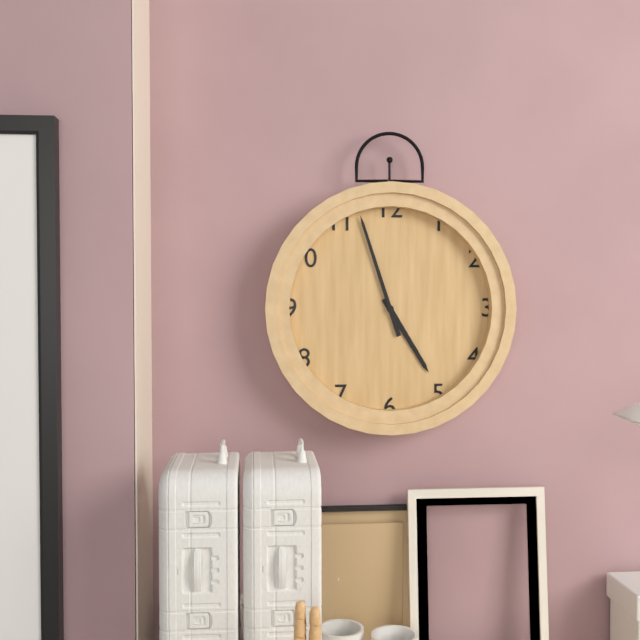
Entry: 4 h 57 min
